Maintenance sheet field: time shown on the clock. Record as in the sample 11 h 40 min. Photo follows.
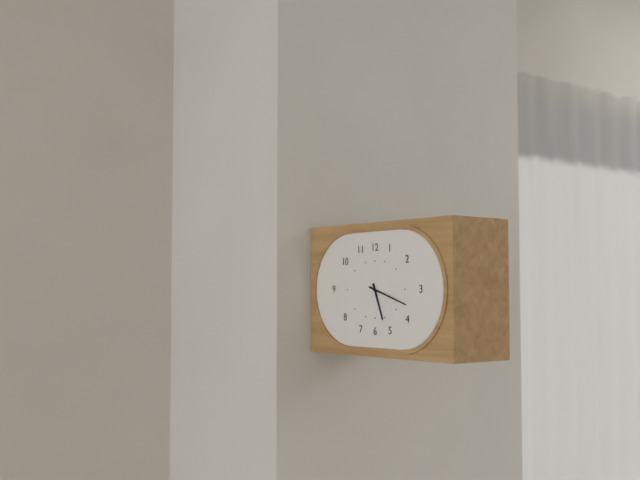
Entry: 5 h 18 min
